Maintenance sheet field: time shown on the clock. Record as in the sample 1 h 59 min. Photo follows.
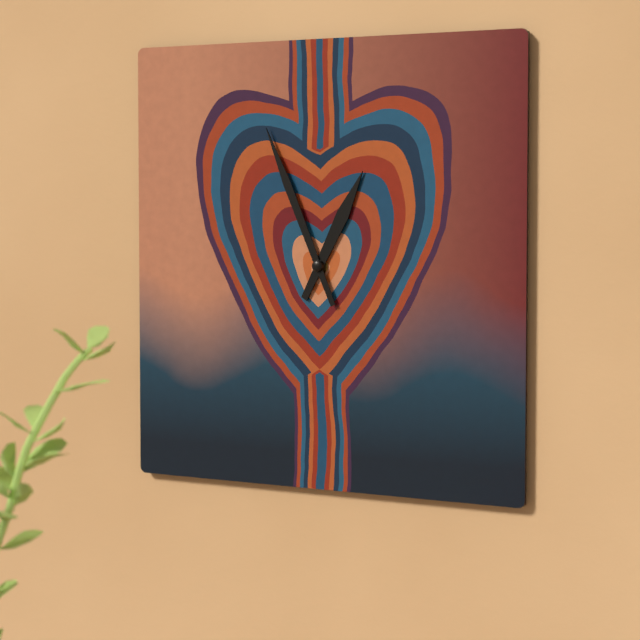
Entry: 12 h 56 min
